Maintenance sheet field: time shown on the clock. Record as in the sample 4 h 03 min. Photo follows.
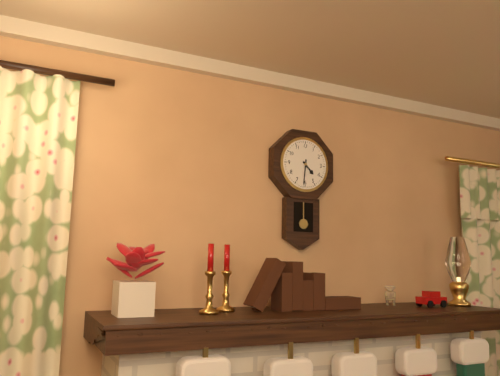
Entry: 4 h 31 min
